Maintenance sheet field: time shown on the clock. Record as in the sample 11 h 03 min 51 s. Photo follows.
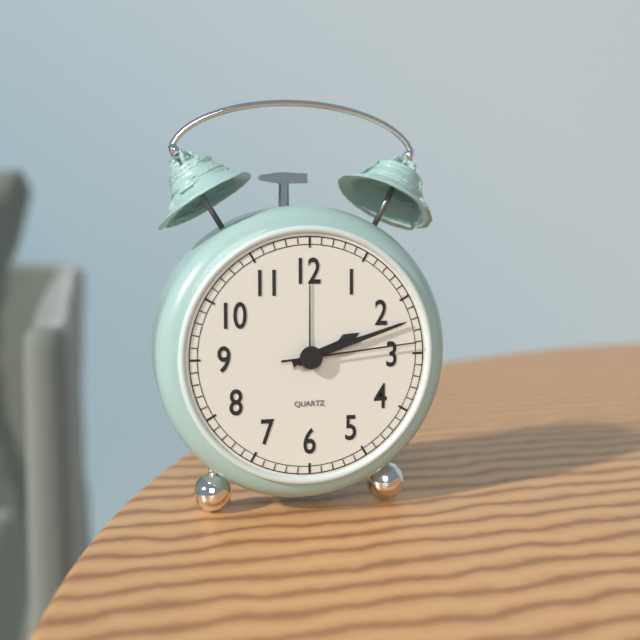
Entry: 2 h 12 min 14 s
